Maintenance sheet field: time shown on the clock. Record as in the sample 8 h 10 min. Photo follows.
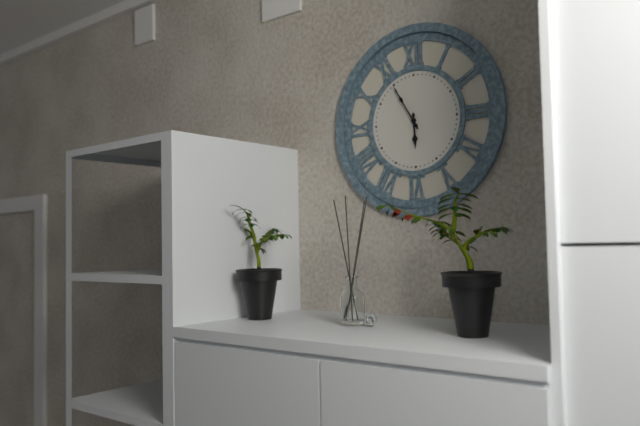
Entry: 5 h 55 min
